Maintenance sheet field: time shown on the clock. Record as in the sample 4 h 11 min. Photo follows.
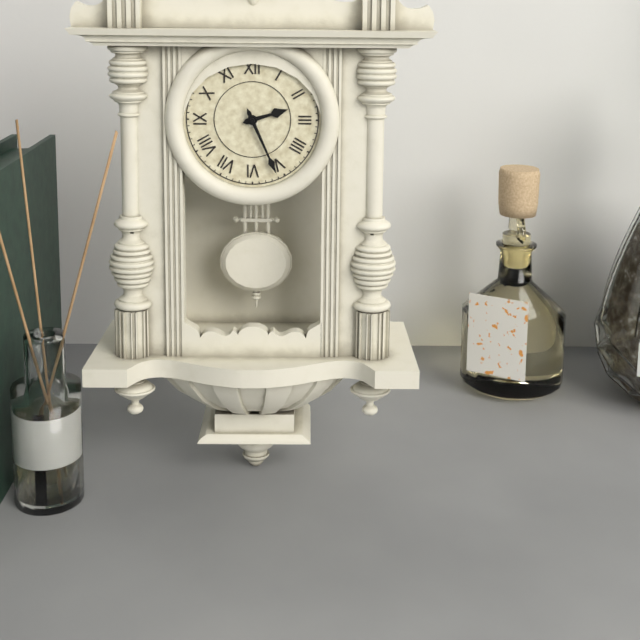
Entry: 2 h 26 min
